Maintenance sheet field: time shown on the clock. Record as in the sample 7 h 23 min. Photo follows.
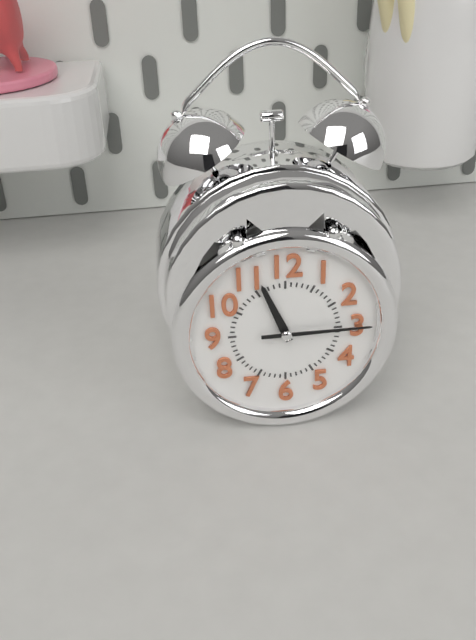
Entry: 11 h 15 min
